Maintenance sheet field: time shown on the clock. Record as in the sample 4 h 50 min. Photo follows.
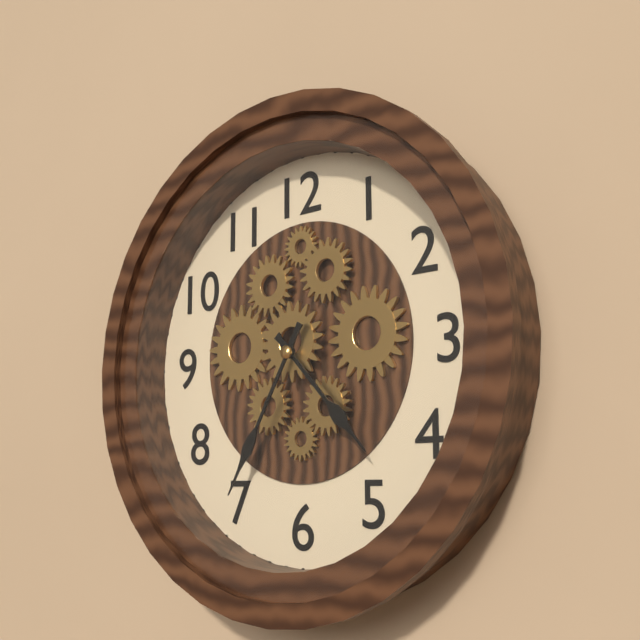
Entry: 4 h 35 min
